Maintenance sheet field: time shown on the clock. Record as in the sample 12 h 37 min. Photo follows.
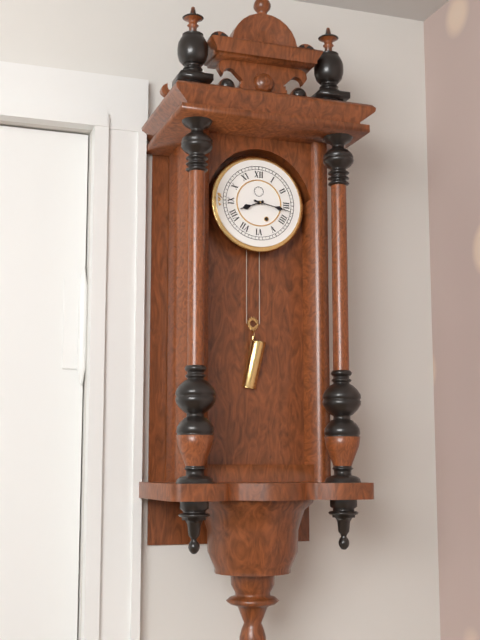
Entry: 8 h 17 min
